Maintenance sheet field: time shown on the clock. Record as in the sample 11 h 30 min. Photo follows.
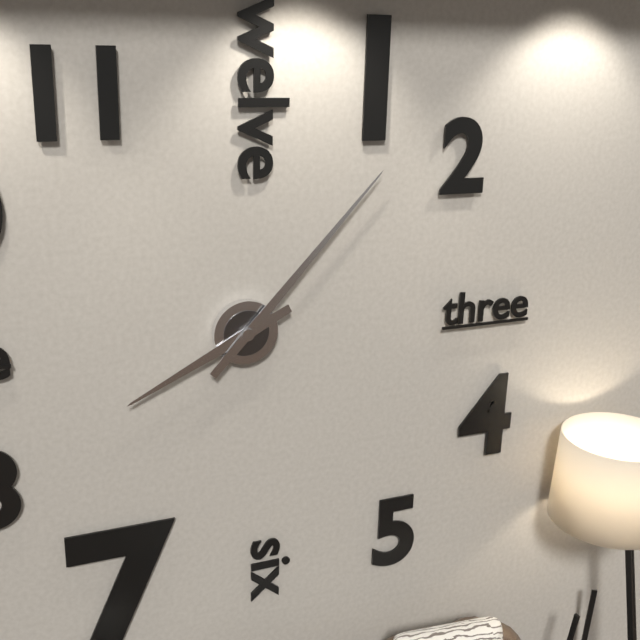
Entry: 8 h 07 min
